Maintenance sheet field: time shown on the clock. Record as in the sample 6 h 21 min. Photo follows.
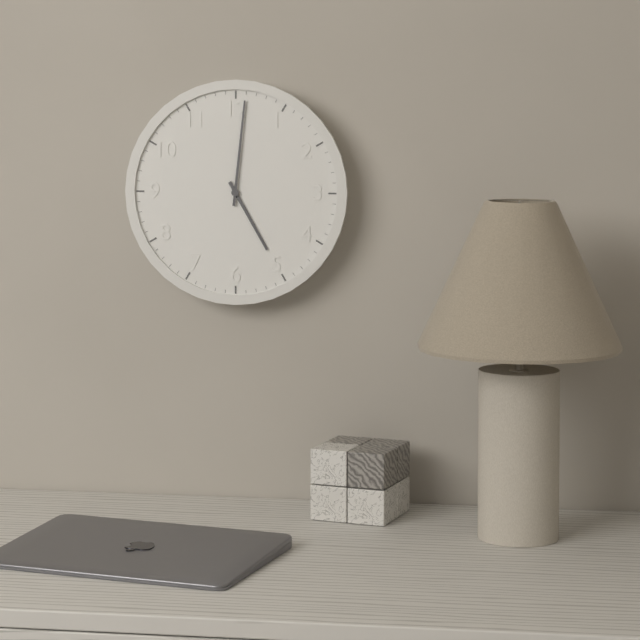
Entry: 5 h 01 min
